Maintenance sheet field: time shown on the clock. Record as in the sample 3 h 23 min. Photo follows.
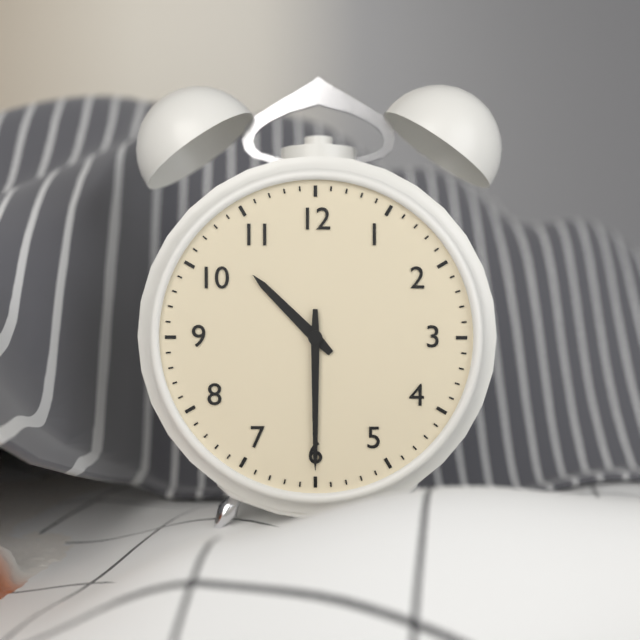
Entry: 10 h 30 min
